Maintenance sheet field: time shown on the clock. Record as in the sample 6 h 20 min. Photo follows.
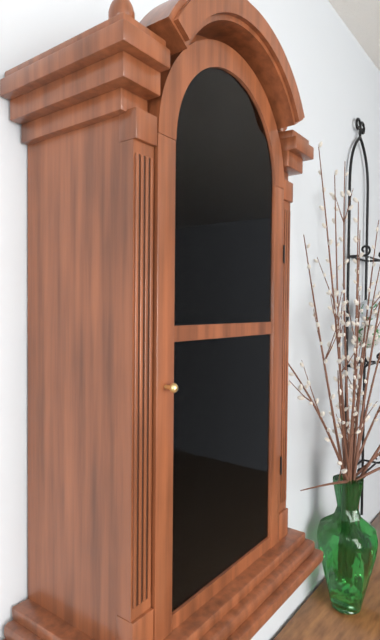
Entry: 4 h 53 min
